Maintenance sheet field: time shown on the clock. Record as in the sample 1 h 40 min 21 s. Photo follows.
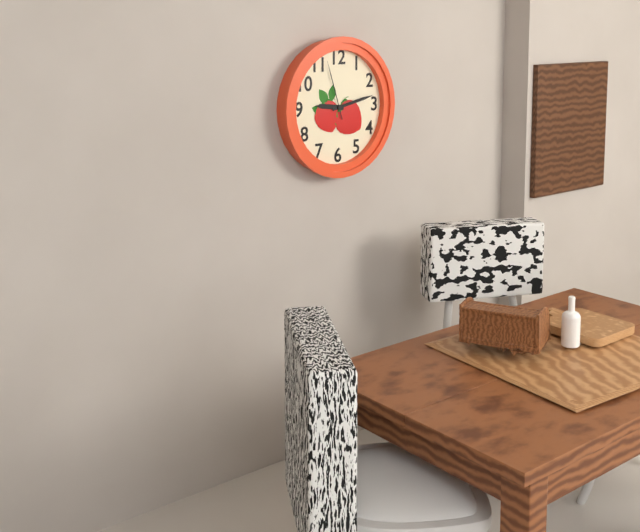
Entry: 9 h 13 min 57 s
